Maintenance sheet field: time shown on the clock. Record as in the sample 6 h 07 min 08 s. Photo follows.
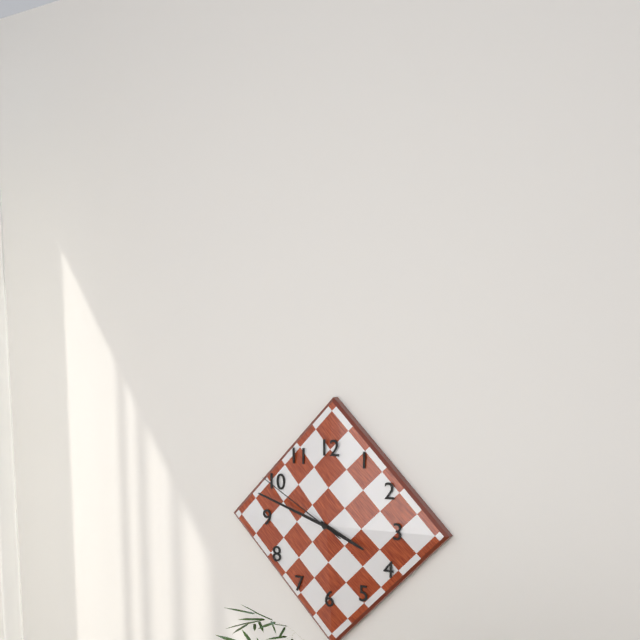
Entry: 3 h 48 min 50 s
